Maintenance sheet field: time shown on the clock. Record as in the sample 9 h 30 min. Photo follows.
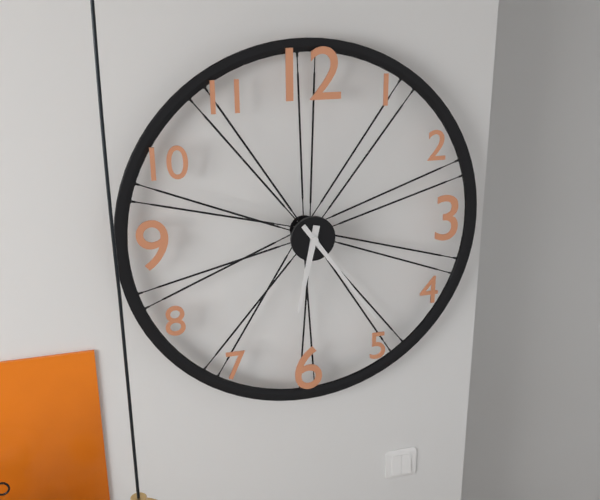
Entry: 6 h 24 min
